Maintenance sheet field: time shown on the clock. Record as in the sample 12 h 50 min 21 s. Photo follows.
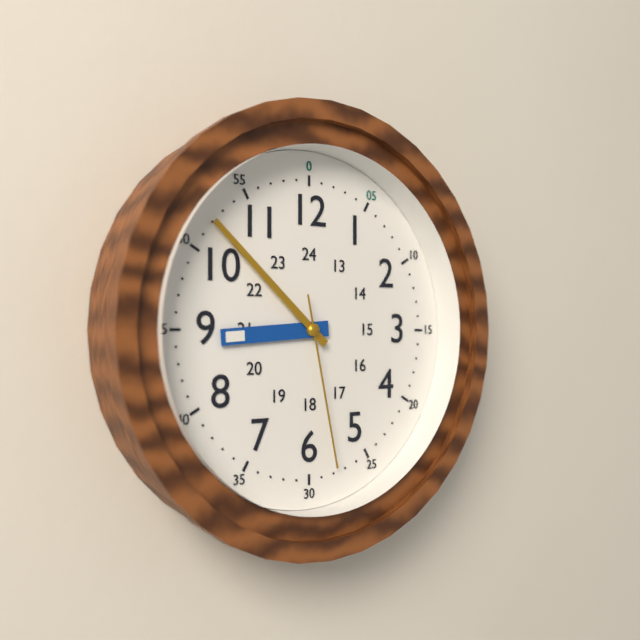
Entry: 8 h 52 min 28 s
